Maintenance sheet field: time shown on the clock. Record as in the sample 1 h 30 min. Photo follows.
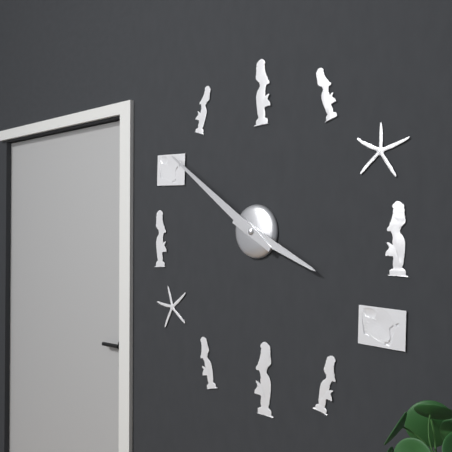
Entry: 3 h 51 min
